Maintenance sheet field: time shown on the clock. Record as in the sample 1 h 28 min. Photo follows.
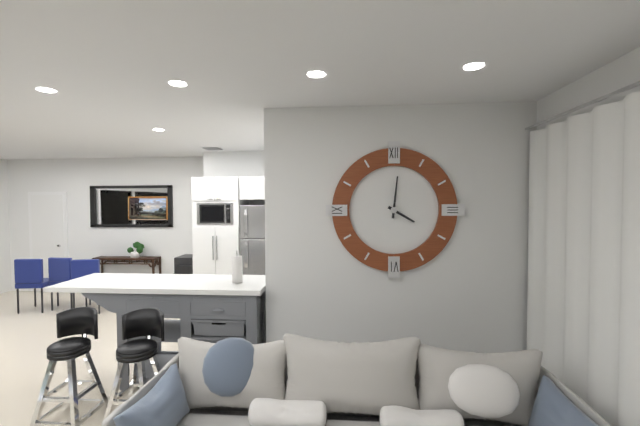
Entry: 4 h 01 min
